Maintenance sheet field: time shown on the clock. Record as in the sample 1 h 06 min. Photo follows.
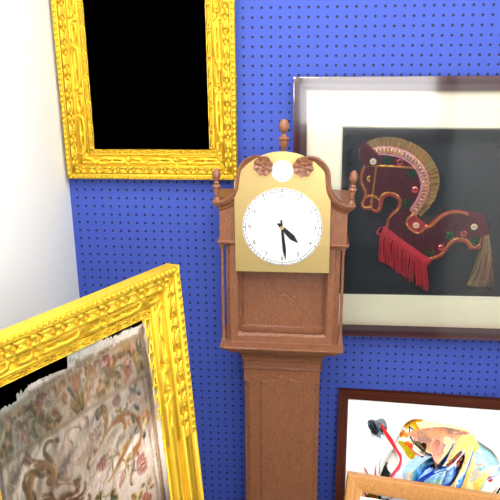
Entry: 4 h 29 min
